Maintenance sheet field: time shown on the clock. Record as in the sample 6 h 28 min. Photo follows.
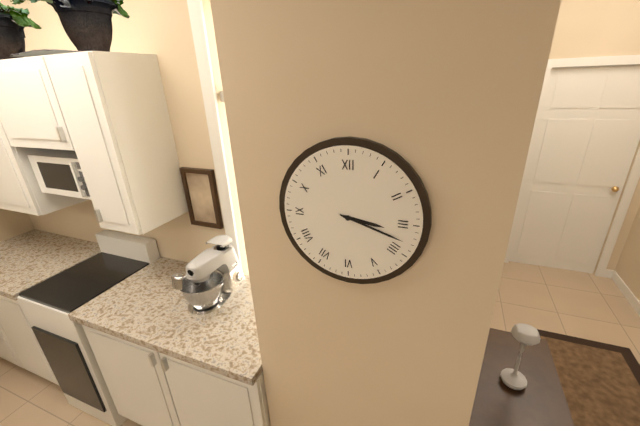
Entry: 3 h 18 min
